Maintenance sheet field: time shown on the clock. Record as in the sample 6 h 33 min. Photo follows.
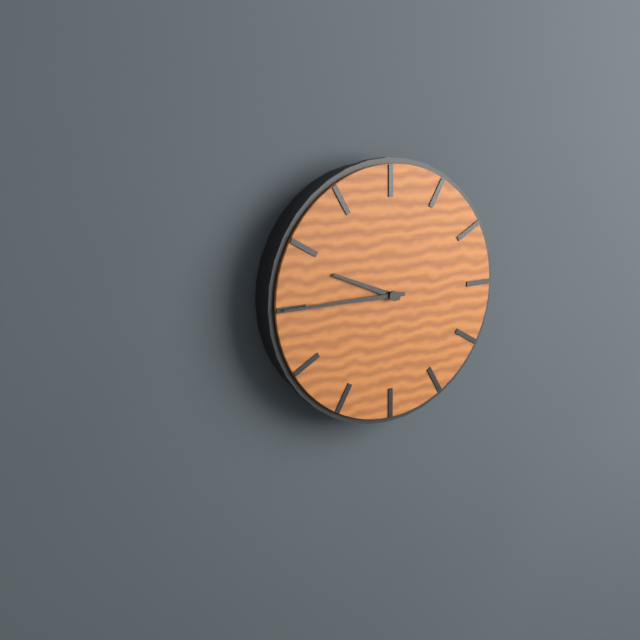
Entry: 9 h 45 min
